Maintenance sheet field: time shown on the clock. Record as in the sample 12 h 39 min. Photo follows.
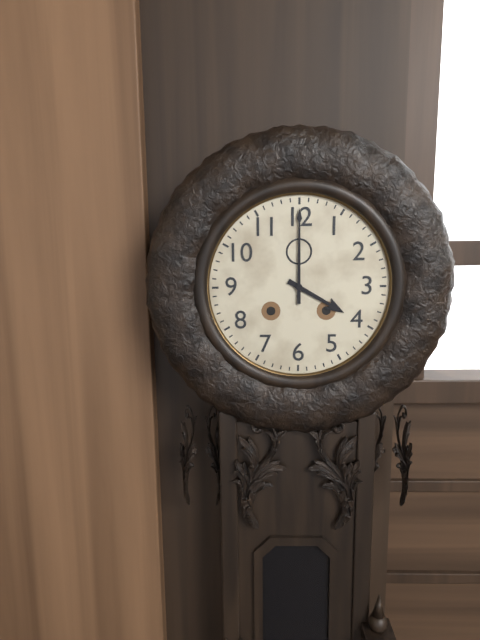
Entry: 4 h 00 min
